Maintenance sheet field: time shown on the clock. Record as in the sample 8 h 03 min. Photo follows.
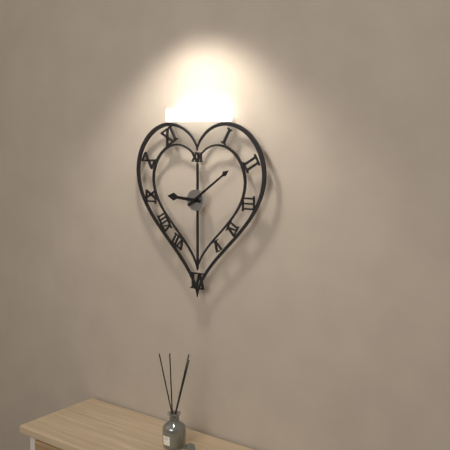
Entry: 9 h 09 min
